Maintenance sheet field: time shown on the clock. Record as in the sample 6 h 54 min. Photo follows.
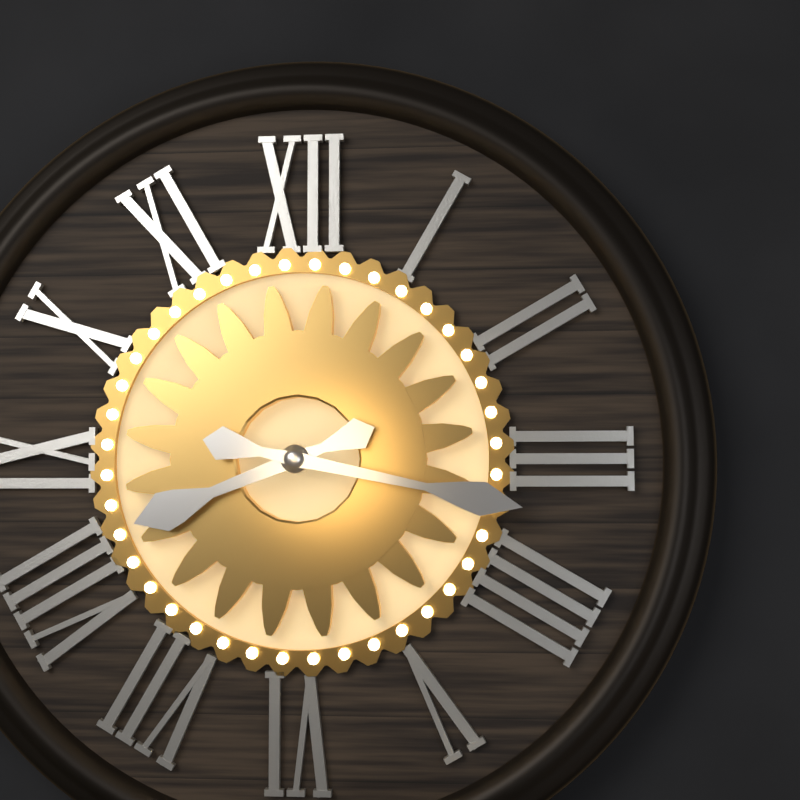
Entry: 8 h 17 min
